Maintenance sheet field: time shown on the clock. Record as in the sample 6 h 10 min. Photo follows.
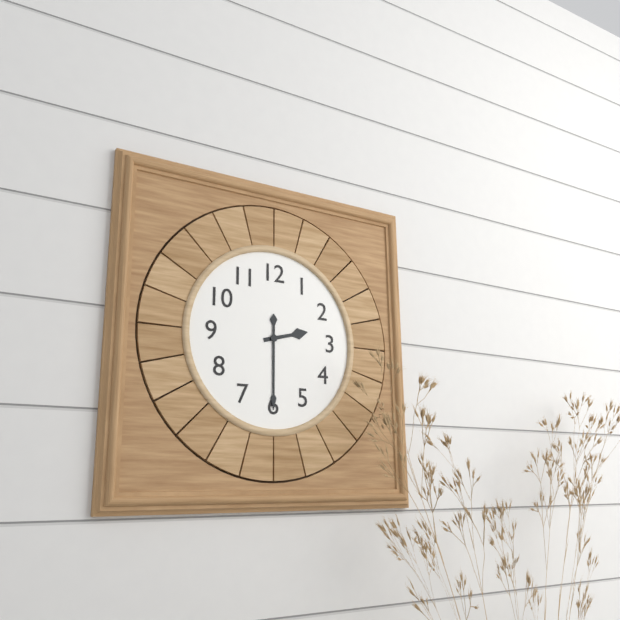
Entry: 2 h 30 min
